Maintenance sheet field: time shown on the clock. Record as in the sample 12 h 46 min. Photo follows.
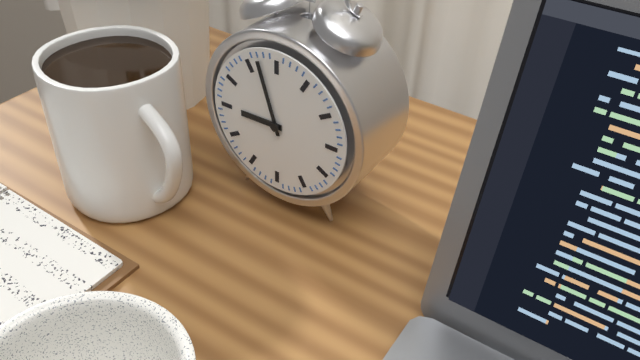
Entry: 8 h 57 min
